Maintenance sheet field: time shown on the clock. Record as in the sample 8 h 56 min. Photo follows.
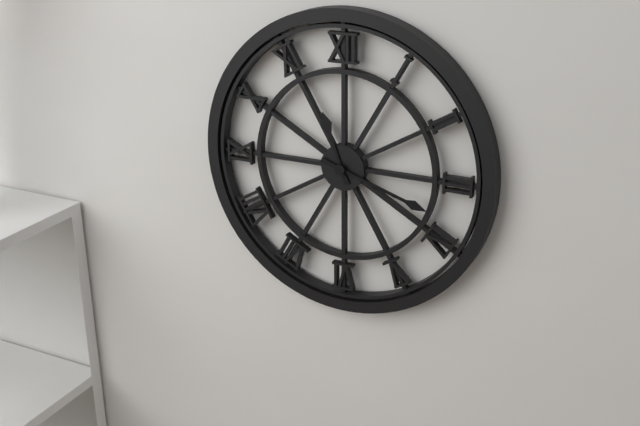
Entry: 11 h 18 min
